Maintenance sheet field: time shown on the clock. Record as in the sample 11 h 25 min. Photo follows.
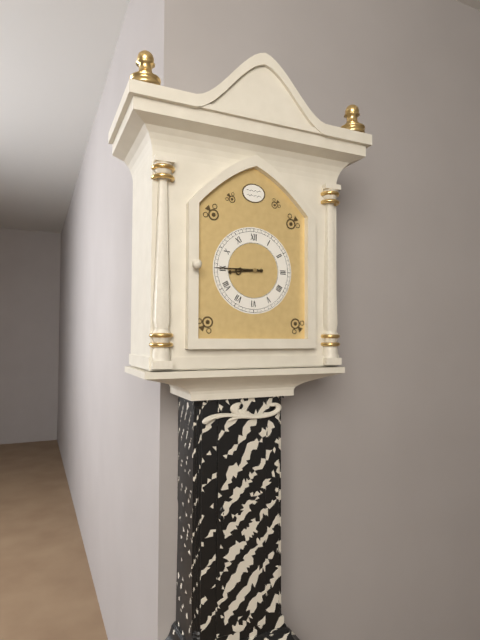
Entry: 8 h 45 min
